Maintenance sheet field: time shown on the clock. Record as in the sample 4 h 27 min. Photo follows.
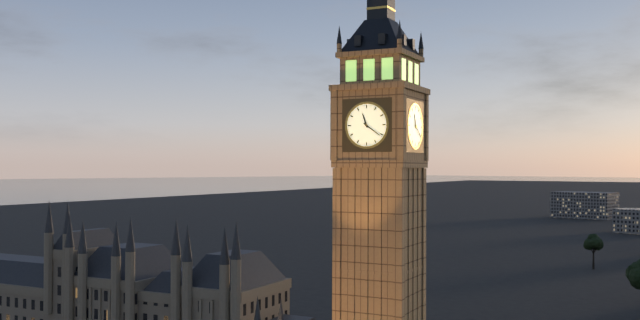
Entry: 11 h 21 min
